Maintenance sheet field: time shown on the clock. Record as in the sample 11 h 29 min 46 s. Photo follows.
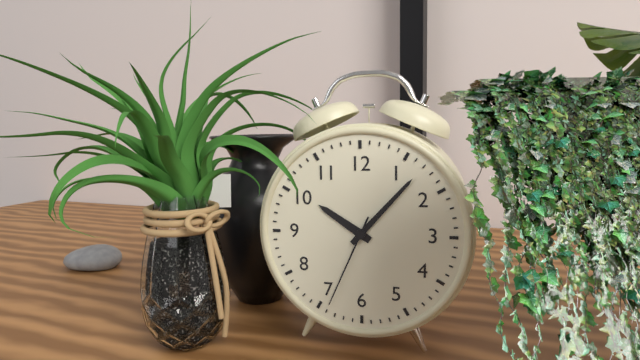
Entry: 10 h 07 min 34 s
